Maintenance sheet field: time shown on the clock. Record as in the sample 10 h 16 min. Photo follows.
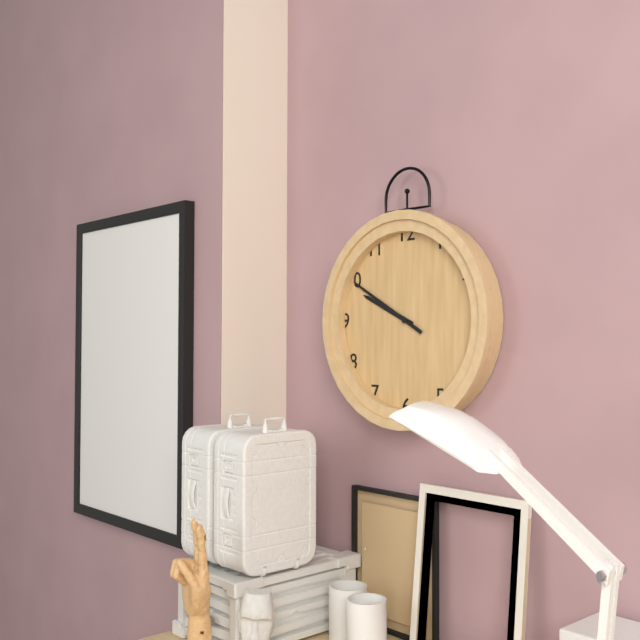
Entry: 9 h 50 min
